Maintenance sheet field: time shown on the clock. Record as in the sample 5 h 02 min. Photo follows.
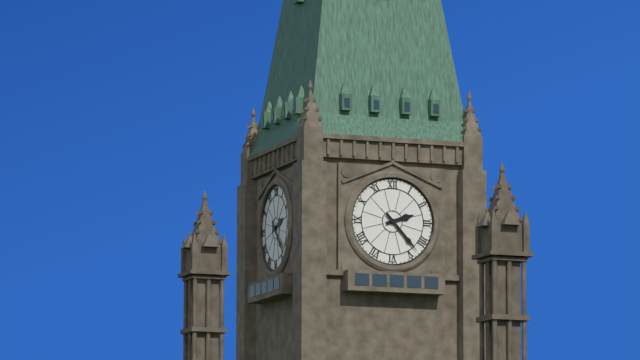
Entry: 2 h 23 min
